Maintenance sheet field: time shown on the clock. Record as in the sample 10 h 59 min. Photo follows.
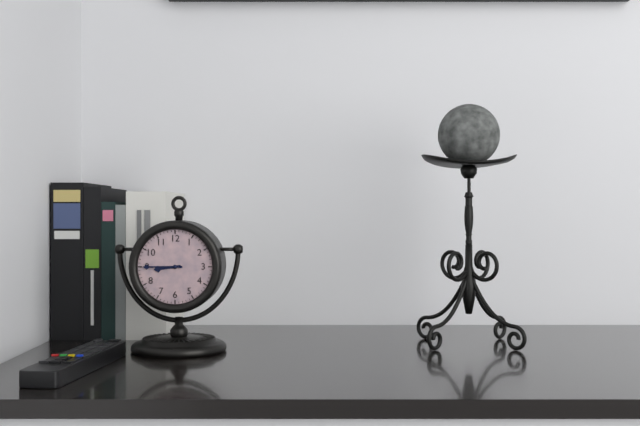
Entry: 8 h 45 min
